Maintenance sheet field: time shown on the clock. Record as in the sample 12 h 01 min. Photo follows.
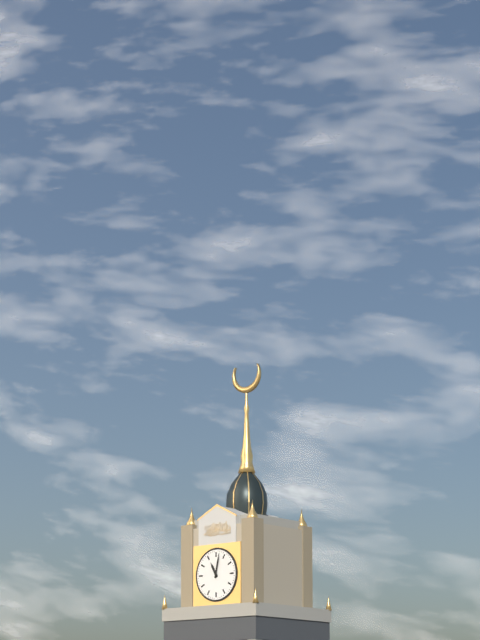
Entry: 11 h 02 min
